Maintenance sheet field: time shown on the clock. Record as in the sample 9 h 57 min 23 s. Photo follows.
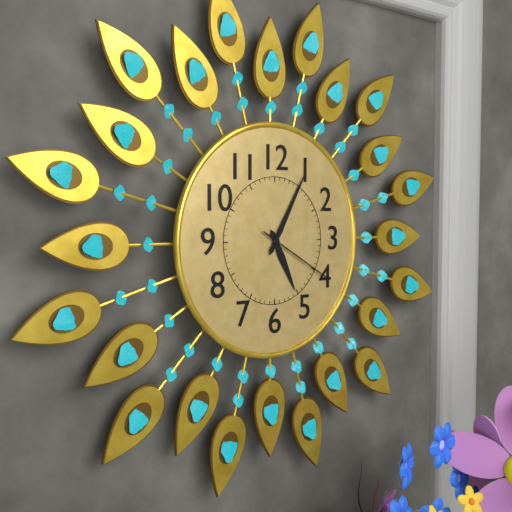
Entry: 5 h 05 min 20 s
